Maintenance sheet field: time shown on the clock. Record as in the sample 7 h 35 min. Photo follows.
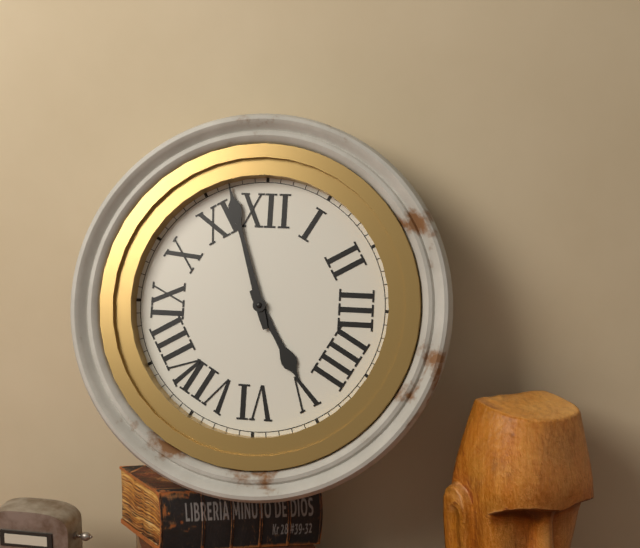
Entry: 4 h 57 min
